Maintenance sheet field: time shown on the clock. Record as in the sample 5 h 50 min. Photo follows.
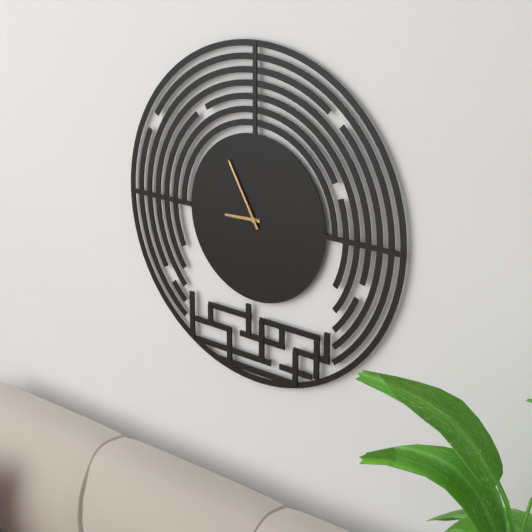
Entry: 8 h 55 min
